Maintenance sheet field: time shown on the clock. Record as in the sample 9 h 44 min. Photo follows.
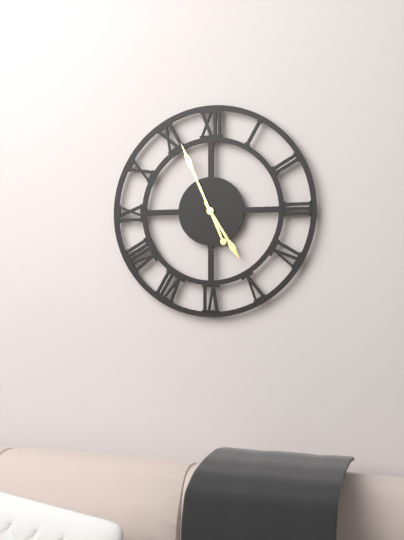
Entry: 4 h 56 min
